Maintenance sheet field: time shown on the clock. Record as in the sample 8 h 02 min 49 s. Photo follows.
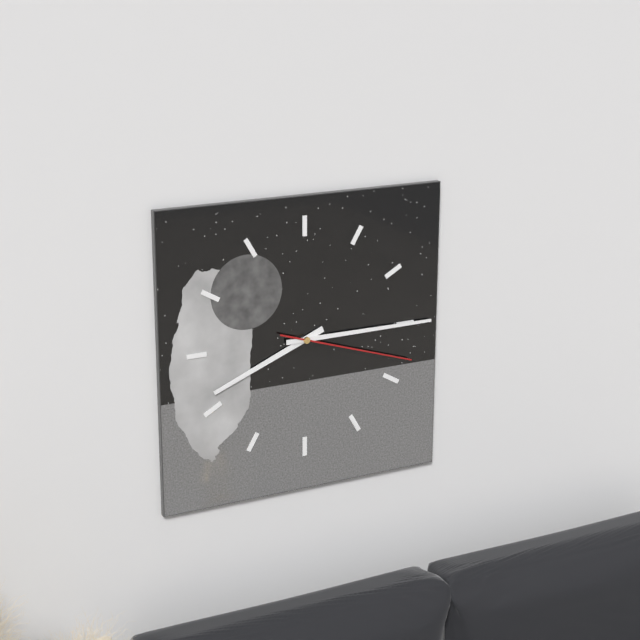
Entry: 8 h 15 min 18 s
